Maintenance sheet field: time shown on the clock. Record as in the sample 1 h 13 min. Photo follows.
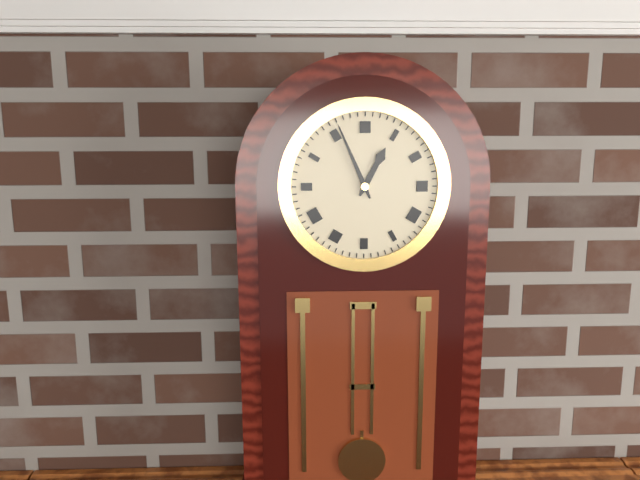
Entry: 12 h 56 min
